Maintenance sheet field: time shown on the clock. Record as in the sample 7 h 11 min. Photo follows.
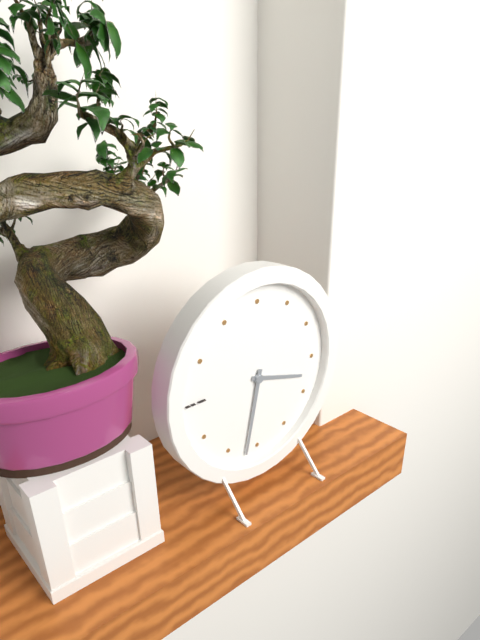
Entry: 3 h 32 min
